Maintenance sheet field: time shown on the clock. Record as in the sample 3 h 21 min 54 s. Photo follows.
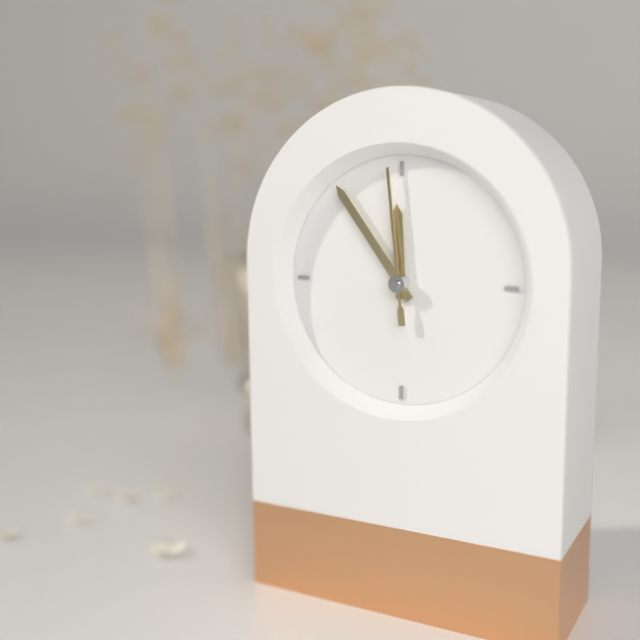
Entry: 11 h 54 min 59 s
